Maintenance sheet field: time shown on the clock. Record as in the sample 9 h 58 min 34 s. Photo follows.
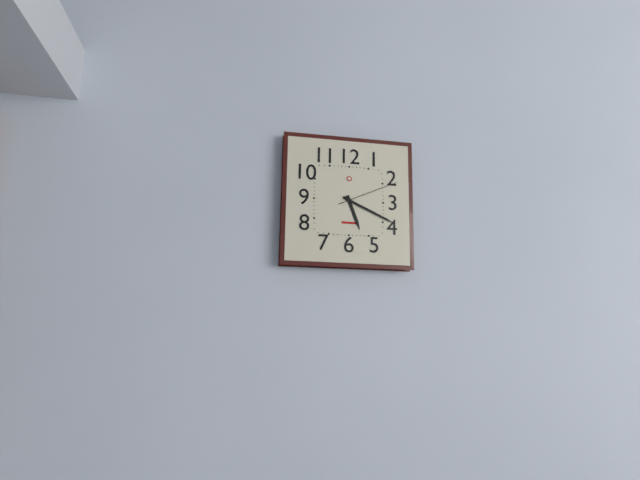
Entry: 5 h 19 min 11 s
